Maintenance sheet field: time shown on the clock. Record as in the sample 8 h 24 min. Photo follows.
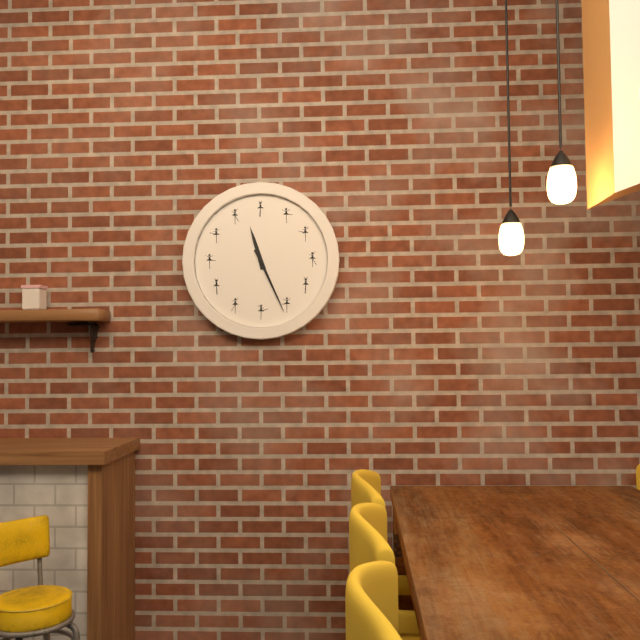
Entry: 11 h 26 min
